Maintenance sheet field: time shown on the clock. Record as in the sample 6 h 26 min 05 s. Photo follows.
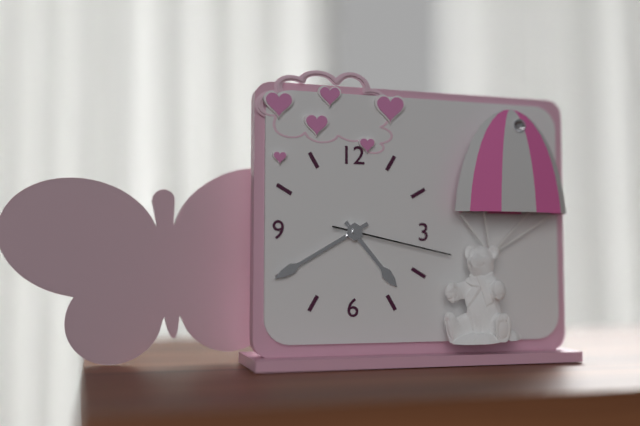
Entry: 4 h 40 min 17 s
